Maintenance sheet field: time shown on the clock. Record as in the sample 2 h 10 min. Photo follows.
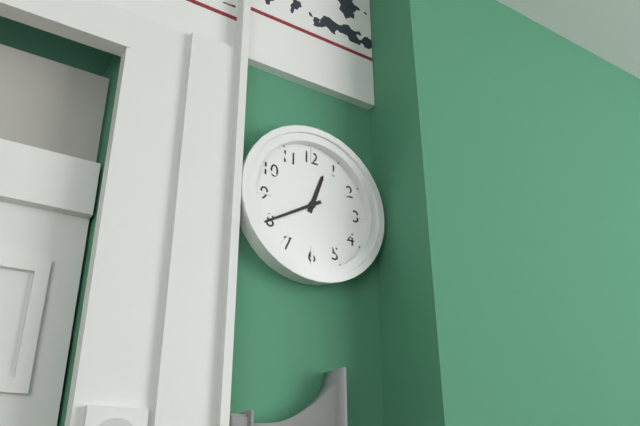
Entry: 12 h 40 min
